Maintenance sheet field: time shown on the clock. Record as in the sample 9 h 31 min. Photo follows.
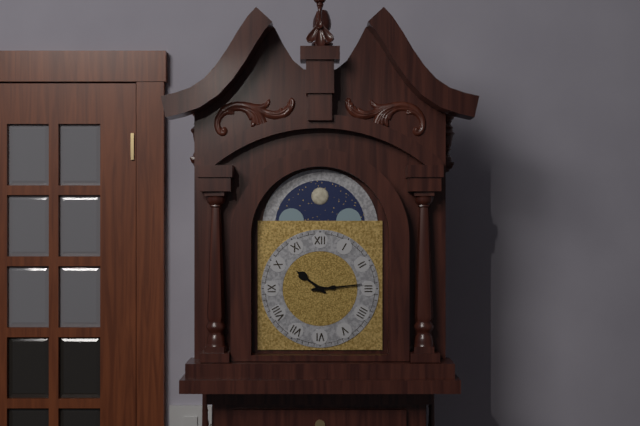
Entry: 10 h 14 min
